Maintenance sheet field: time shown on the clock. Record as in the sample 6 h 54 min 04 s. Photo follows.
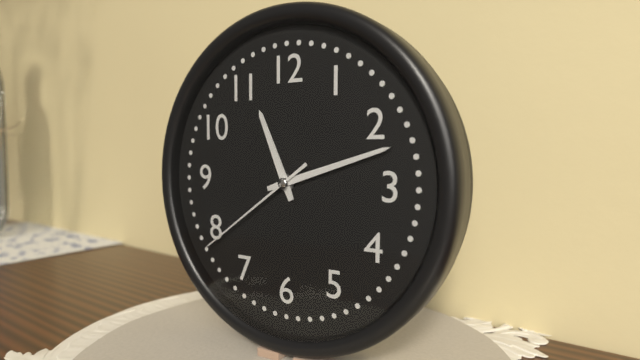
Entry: 11 h 12 min 39 s
